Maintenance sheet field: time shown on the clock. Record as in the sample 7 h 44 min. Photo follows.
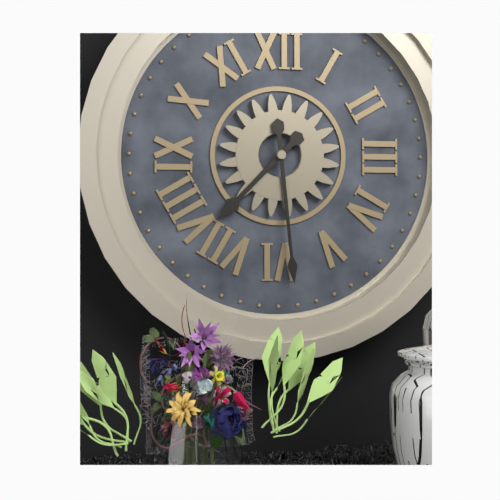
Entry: 7 h 29 min
